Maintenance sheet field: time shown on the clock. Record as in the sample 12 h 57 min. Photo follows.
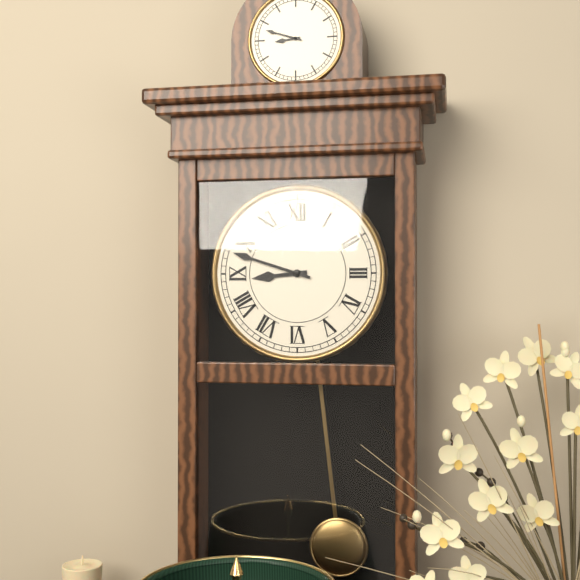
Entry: 8 h 48 min
